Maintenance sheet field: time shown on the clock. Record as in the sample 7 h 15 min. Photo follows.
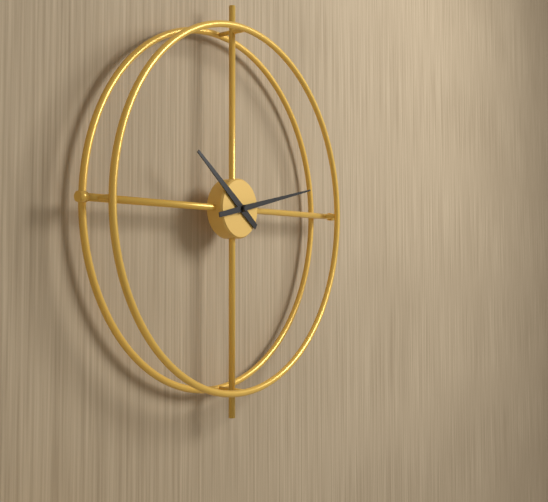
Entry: 10 h 13 min
